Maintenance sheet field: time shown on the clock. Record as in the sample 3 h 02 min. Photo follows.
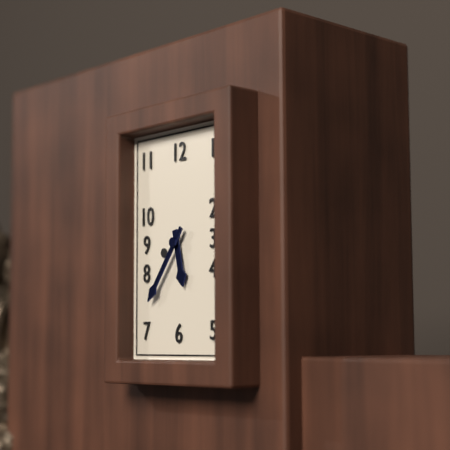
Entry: 5 h 36 min
